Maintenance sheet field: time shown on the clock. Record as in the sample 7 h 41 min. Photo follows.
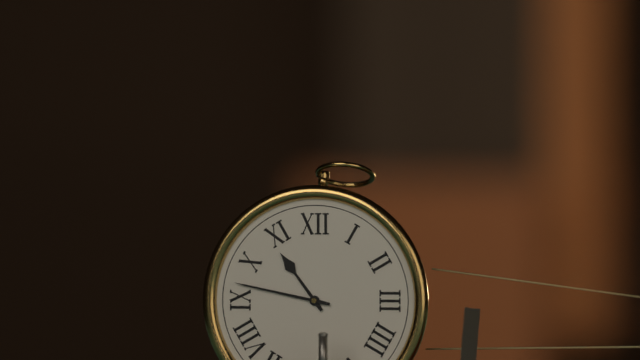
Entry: 10 h 47 min
